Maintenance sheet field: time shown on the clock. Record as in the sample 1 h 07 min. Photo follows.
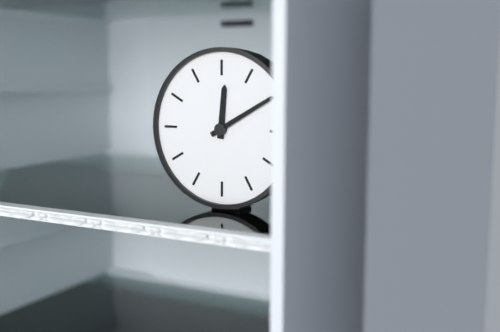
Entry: 12 h 10 min
